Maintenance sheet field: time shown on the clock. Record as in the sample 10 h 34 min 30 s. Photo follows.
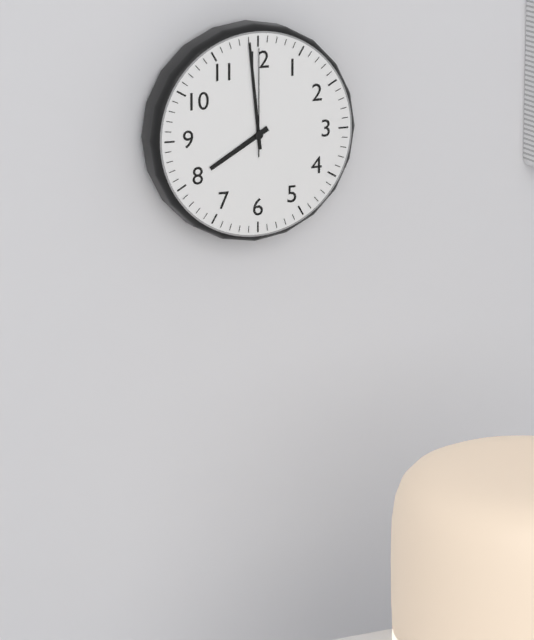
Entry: 7 h 59 min 00 s
